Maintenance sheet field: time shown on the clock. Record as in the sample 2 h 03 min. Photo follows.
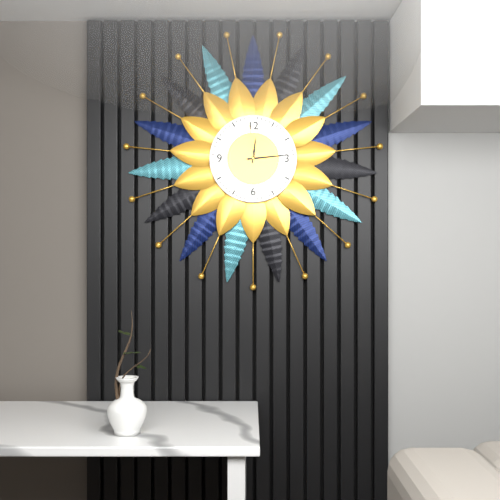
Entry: 12 h 14 min
